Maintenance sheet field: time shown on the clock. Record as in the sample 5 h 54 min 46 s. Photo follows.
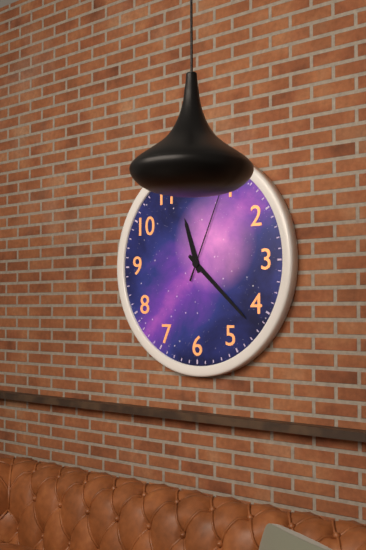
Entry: 11 h 22 min 04 s
